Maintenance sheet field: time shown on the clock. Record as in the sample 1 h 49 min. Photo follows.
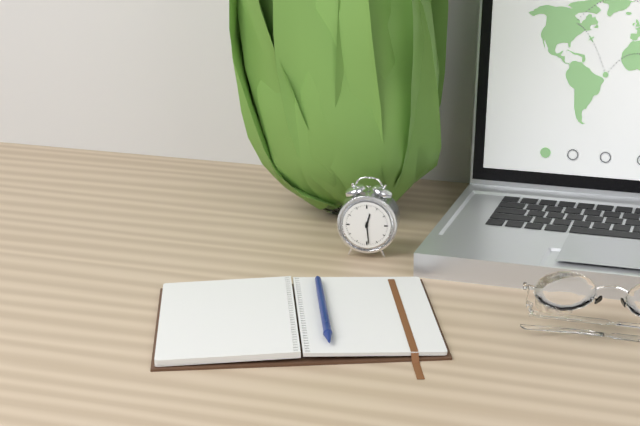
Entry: 12 h 29 min
